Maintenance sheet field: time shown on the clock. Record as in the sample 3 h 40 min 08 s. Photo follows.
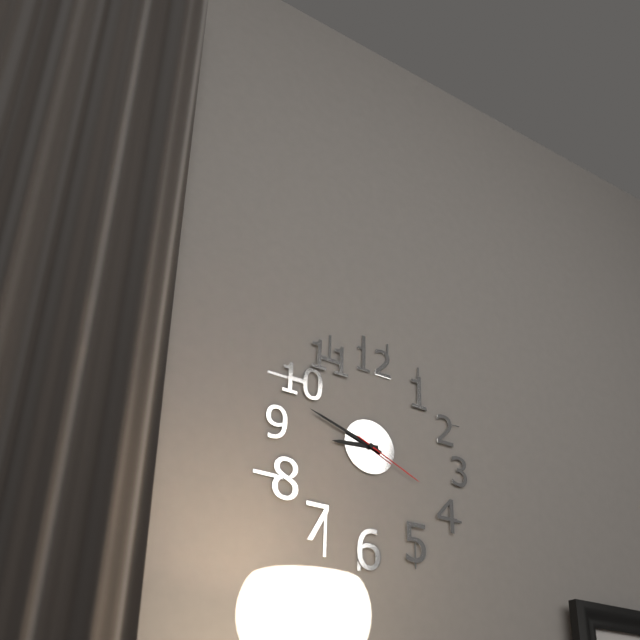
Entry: 8 h 48 min 19 s
